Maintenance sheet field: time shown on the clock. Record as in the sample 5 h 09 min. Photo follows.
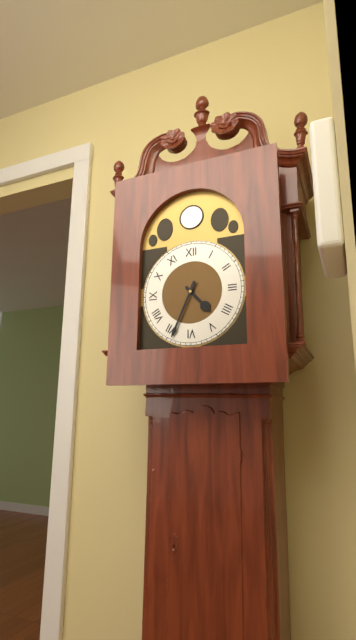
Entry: 4 h 34 min
